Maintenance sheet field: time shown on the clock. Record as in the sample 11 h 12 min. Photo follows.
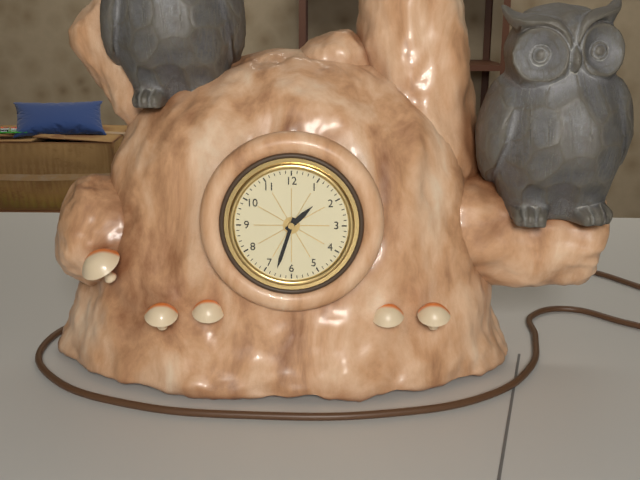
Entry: 1 h 33 min
